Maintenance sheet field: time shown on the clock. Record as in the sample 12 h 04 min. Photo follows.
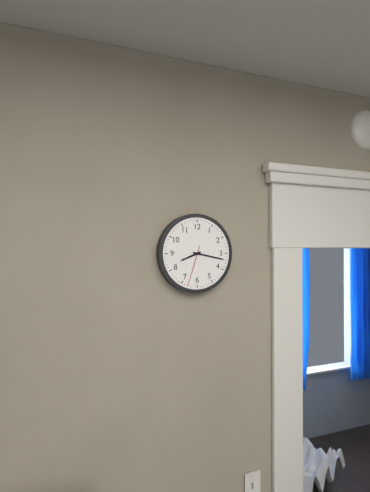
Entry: 8 h 17 min
